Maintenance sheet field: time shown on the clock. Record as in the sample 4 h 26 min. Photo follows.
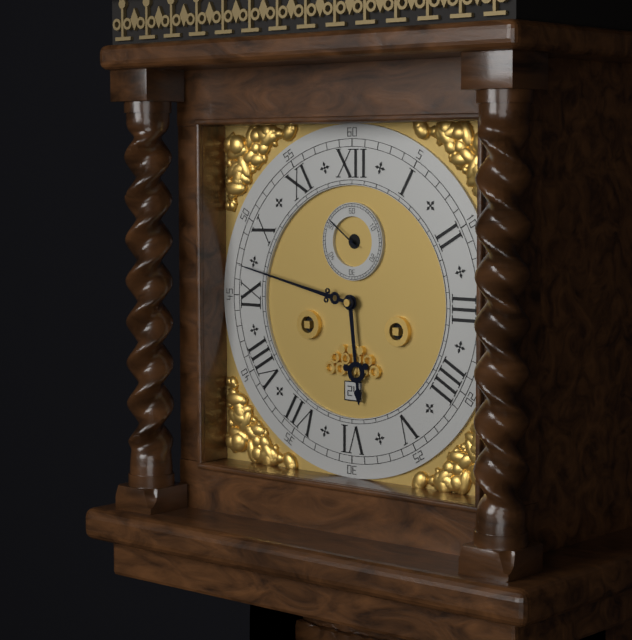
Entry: 5 h 47 min
